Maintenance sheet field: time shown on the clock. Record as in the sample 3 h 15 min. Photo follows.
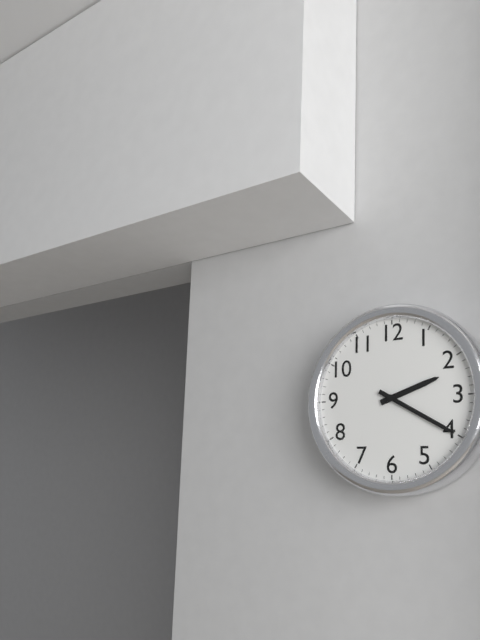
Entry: 2 h 20 min
